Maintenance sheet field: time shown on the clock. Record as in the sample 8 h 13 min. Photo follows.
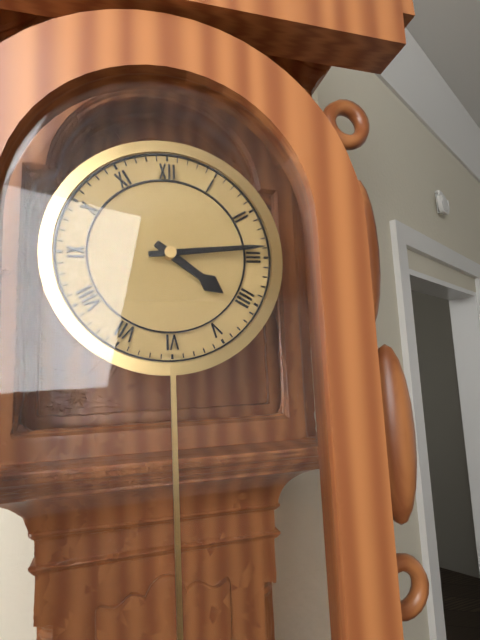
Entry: 4 h 14 min
